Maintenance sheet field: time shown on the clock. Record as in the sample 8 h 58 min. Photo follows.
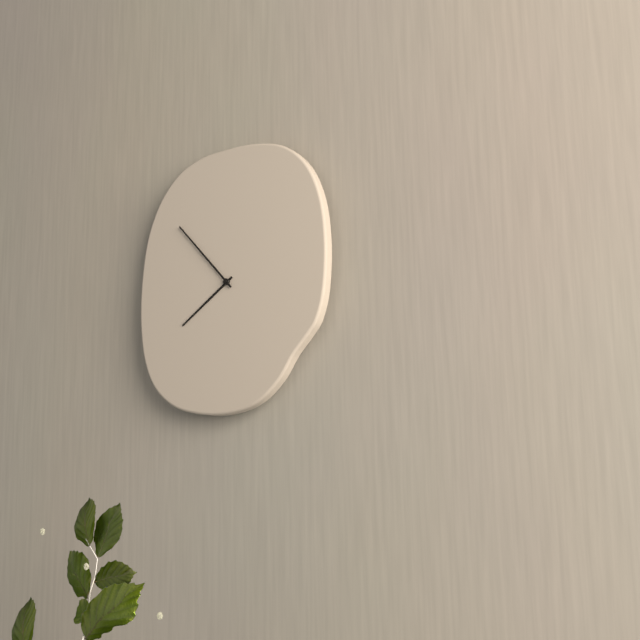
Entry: 7 h 53 min
